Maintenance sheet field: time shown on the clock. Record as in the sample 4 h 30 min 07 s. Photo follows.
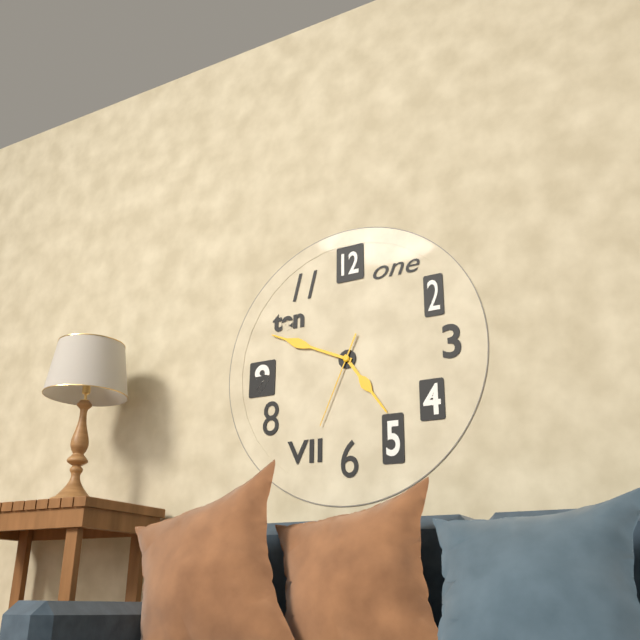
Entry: 4 h 49 min 34 s
